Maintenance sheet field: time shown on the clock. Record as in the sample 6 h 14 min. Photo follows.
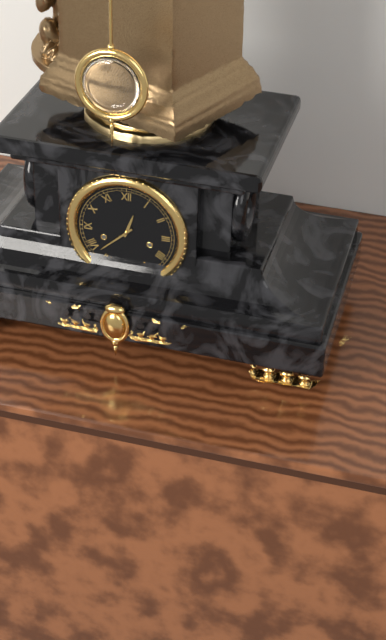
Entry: 12 h 38 min
